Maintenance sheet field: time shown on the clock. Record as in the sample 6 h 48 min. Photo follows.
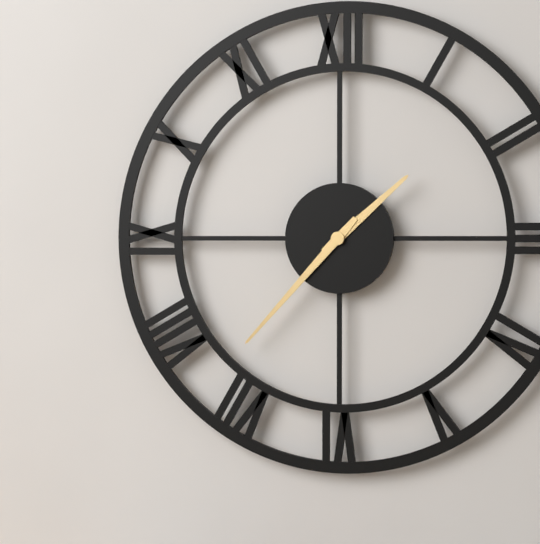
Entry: 1 h 37 min
